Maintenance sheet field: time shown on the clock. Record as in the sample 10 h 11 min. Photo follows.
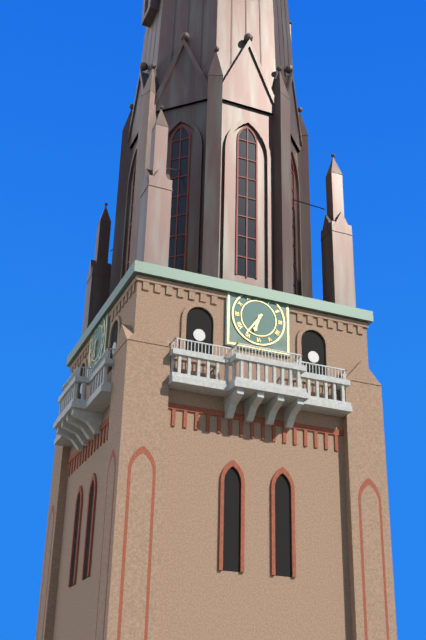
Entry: 6 h 36 min
